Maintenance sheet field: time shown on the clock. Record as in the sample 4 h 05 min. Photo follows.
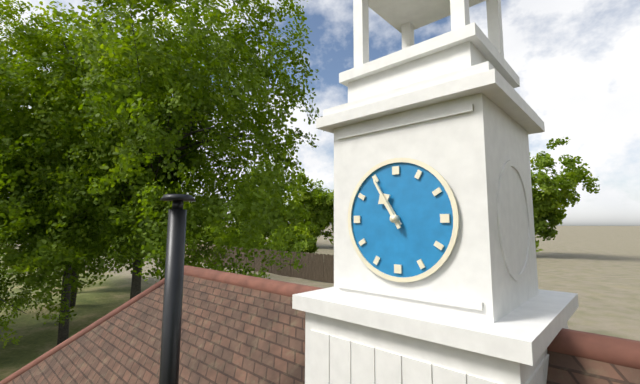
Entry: 10 h 55 min
